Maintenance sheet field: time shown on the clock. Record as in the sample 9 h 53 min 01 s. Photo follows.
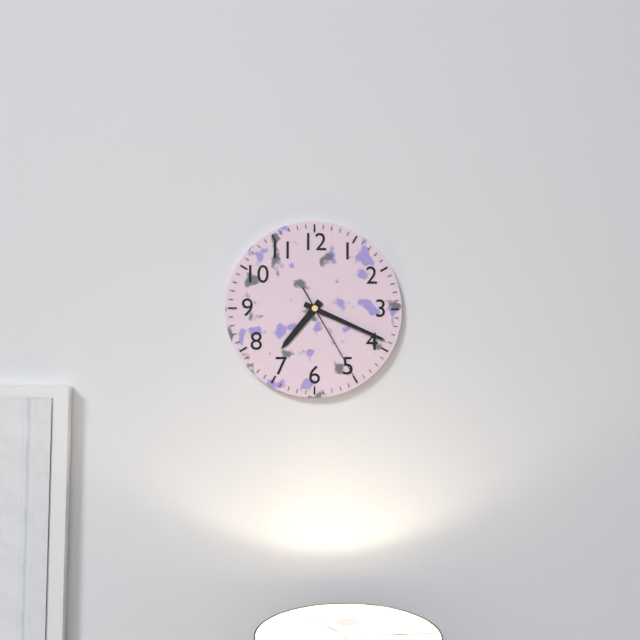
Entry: 7 h 19 min 25 s
